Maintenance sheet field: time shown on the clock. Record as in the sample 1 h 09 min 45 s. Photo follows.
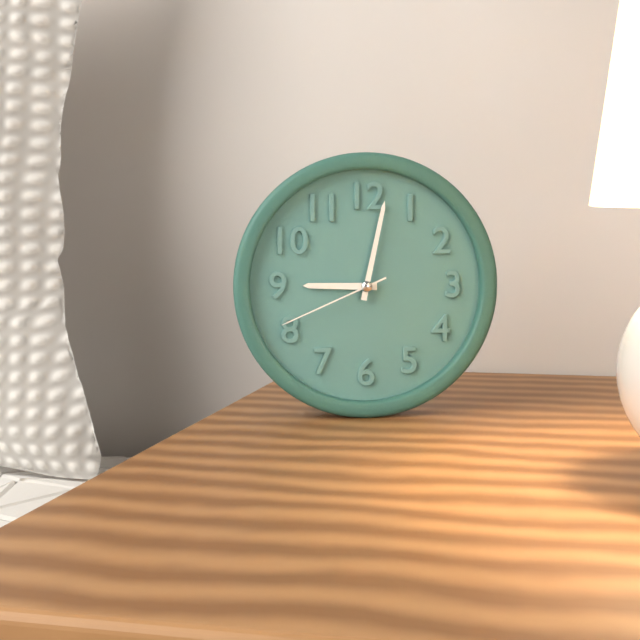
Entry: 9 h 02 min 41 s
